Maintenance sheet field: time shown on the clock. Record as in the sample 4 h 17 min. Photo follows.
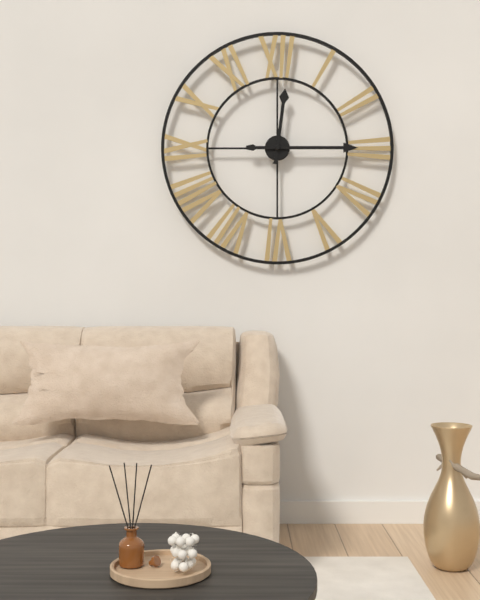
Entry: 12 h 15 min
